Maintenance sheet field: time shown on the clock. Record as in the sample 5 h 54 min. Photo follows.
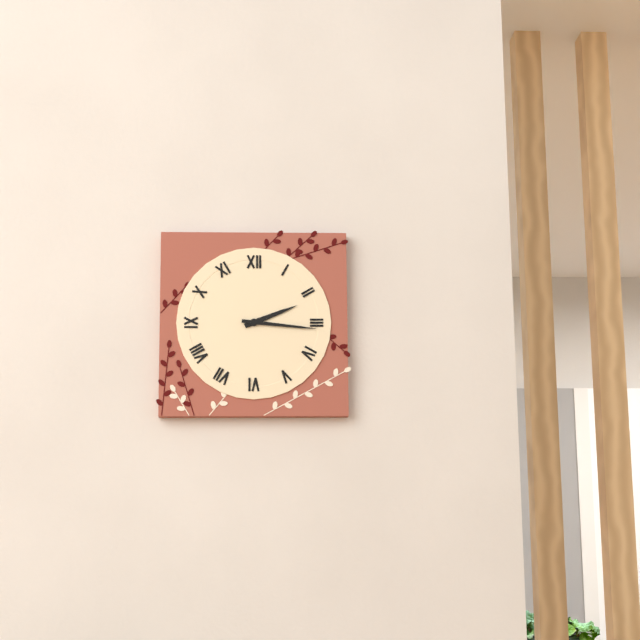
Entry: 2 h 16 min
